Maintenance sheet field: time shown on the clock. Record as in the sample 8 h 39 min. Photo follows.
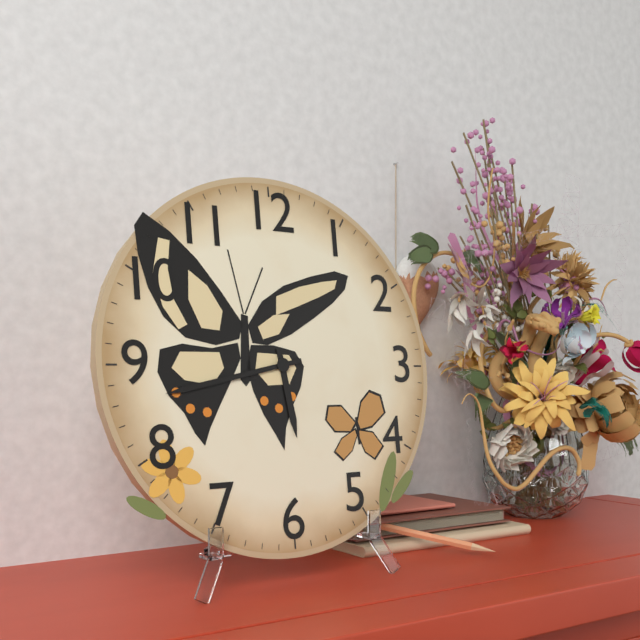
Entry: 5 h 43 min
